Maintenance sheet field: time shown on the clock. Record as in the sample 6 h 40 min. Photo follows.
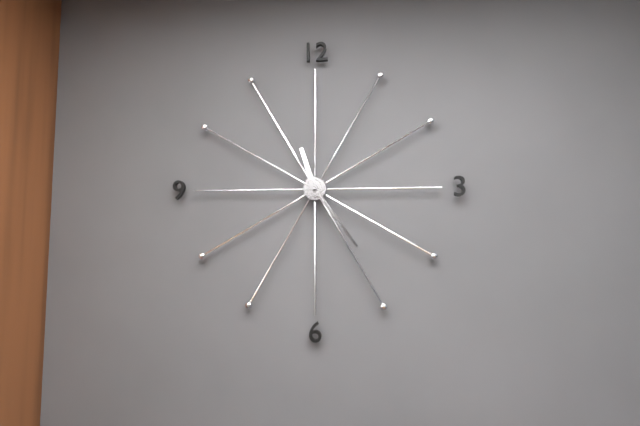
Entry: 11 h 24 min
